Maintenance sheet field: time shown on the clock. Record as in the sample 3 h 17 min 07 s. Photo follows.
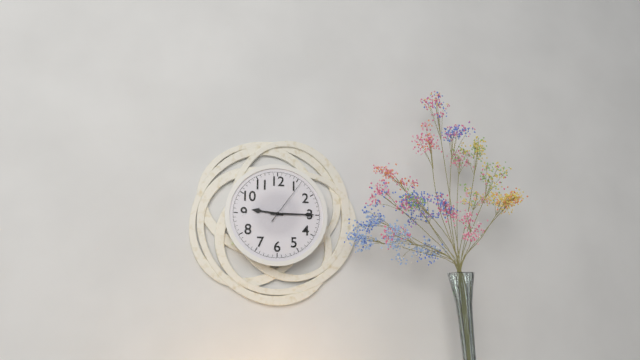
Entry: 9 h 15 min 06 s
